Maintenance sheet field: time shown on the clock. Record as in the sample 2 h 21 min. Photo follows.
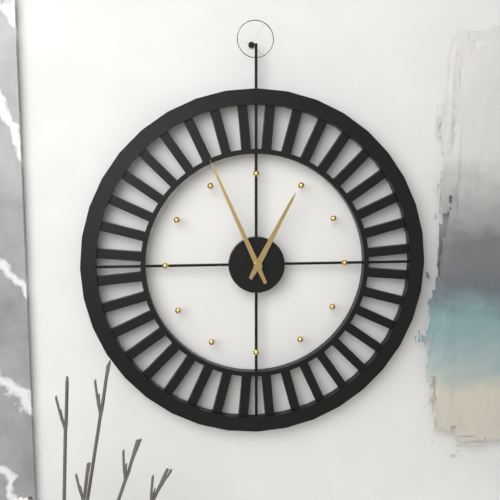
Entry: 12 h 56 min
